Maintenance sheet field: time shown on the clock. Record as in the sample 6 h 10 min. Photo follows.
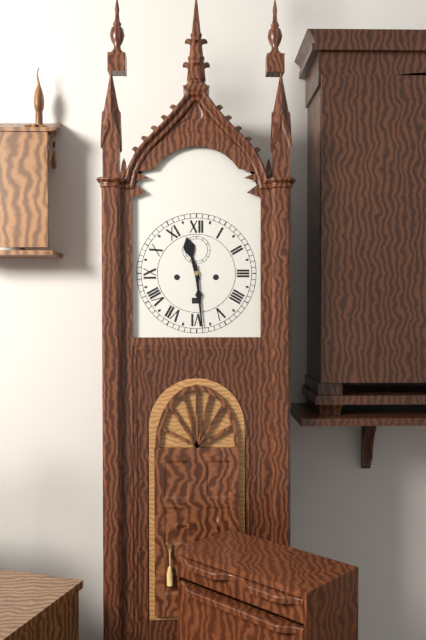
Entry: 11 h 29 min
